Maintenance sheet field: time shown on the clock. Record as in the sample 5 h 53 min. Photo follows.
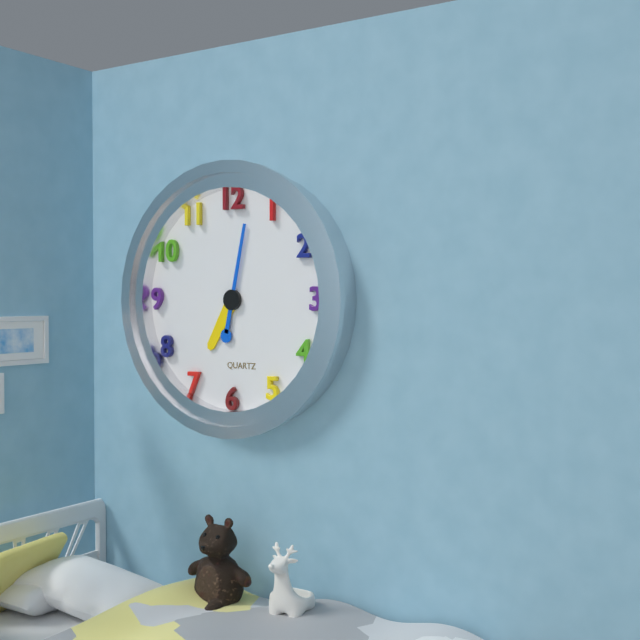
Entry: 7 h 02 min
